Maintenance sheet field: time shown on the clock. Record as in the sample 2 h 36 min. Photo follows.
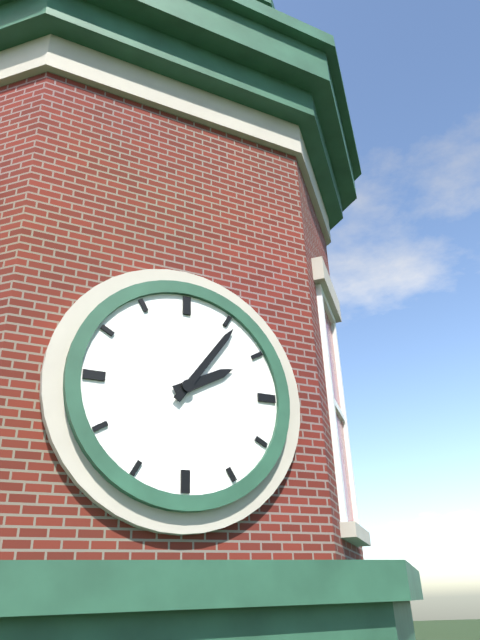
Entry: 2 h 06 min
